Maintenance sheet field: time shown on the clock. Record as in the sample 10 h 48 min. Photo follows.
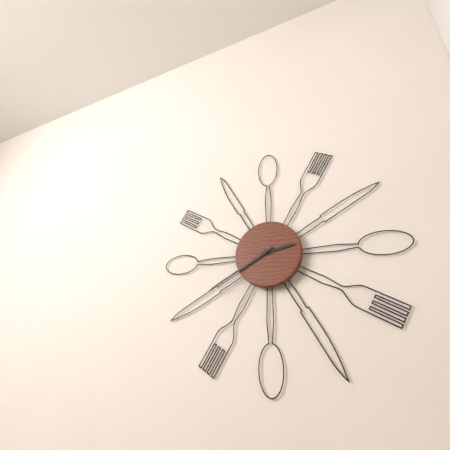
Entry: 2 h 40 min
